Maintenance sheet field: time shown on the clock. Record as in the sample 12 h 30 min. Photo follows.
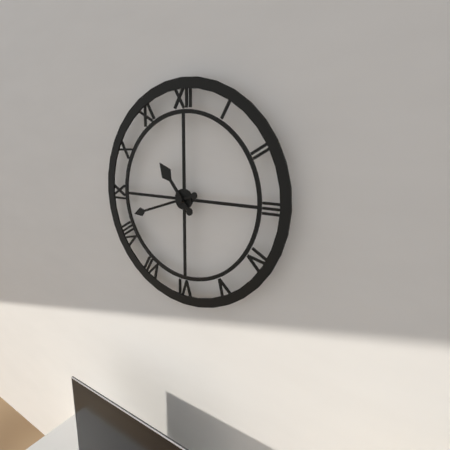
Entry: 10 h 42 min
